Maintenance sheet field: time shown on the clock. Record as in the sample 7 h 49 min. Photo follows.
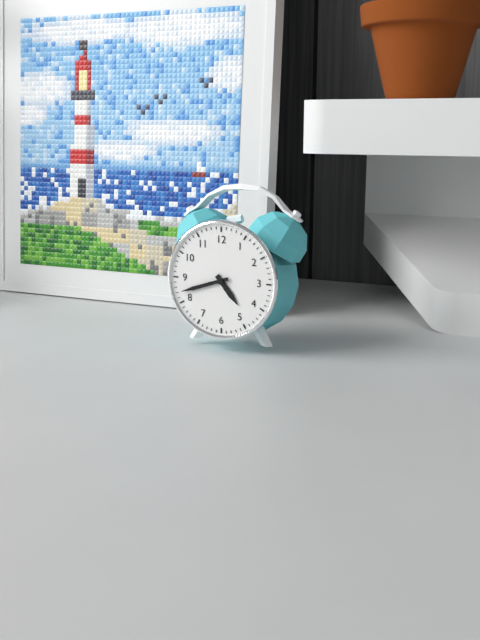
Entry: 4 h 42 min
